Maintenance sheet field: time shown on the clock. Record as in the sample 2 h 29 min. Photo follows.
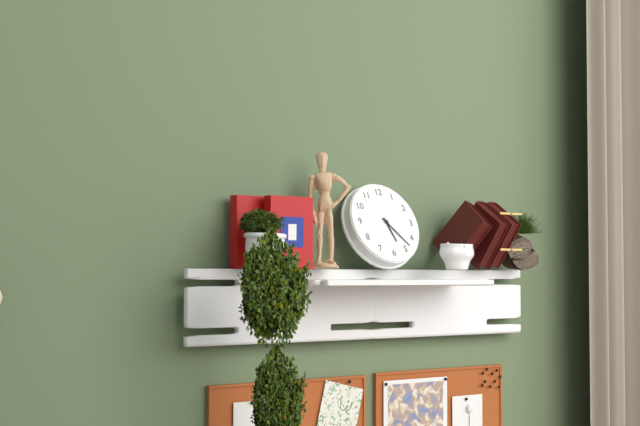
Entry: 5 h 23 min
